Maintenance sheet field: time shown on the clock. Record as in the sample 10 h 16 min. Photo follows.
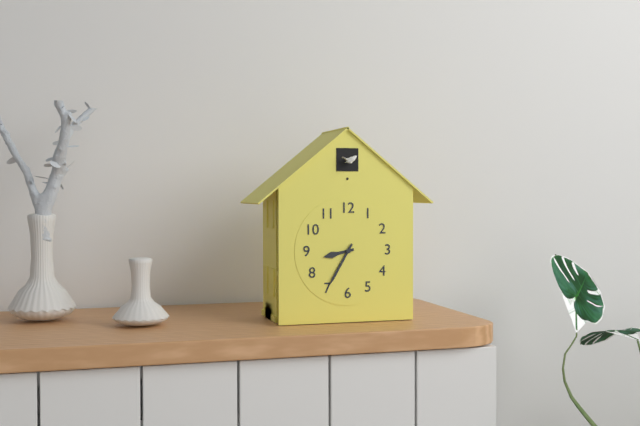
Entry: 8 h 35 min
